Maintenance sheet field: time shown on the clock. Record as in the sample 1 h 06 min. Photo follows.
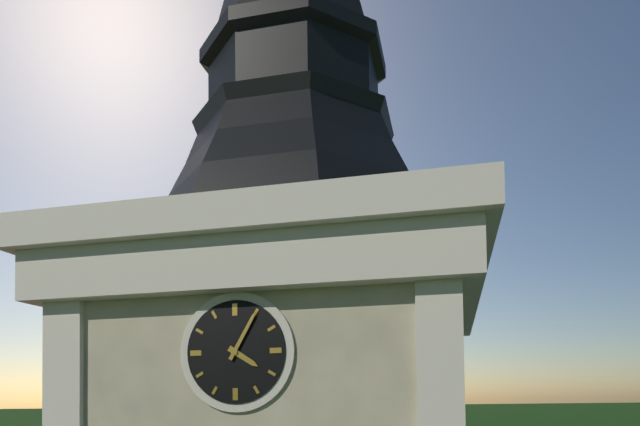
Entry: 4 h 05 min
